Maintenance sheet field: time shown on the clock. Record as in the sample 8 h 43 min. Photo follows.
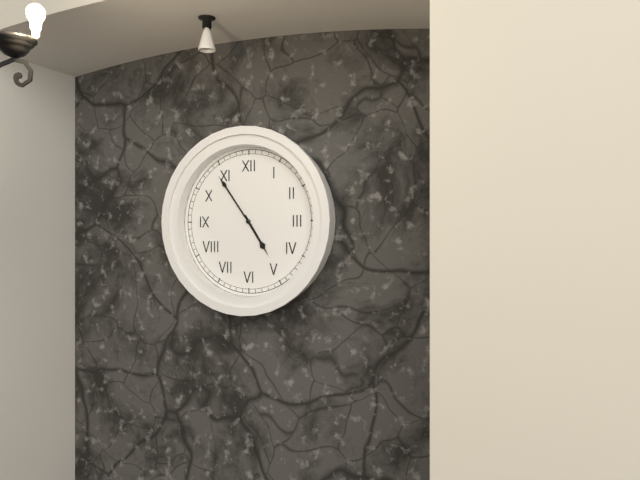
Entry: 4 h 54 min
